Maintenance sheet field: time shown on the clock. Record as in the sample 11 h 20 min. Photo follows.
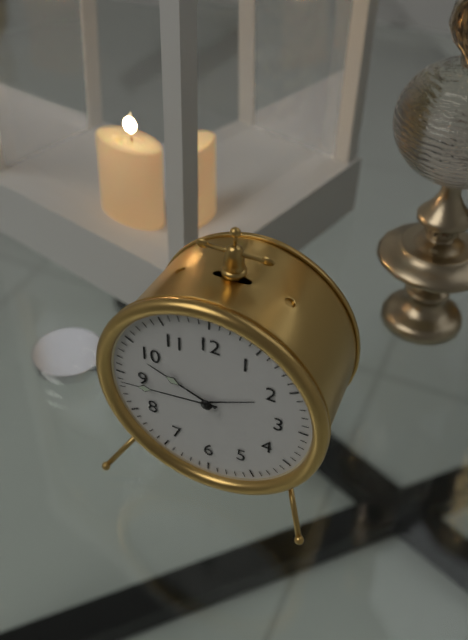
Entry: 9 h 44 min
